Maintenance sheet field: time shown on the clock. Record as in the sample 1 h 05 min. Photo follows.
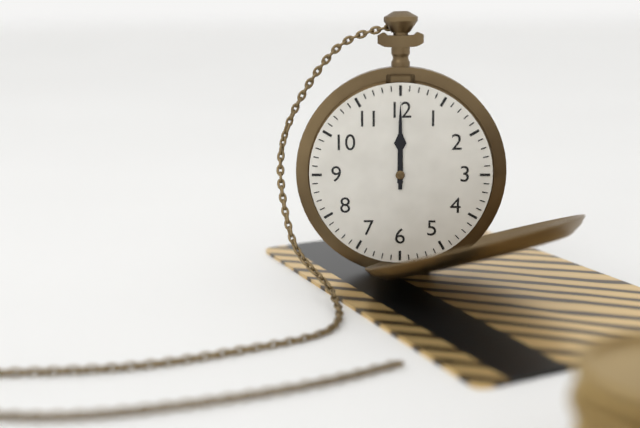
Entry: 12 h 00 min
